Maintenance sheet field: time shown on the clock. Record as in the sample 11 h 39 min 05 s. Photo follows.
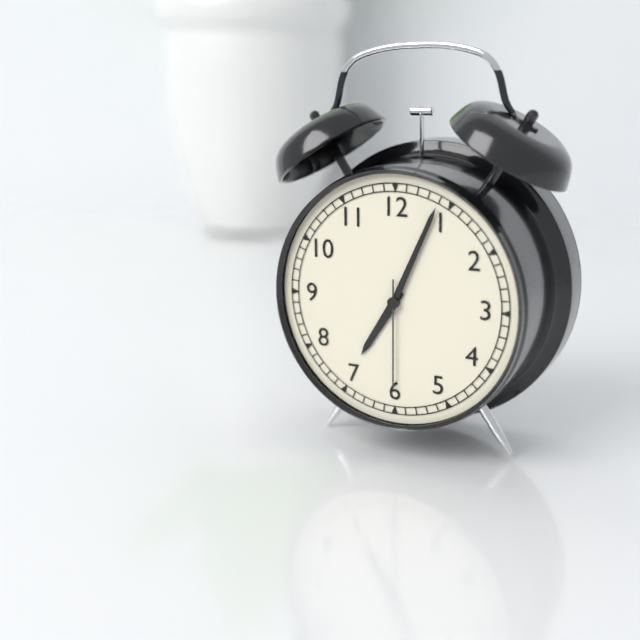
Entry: 7 h 04 min 30 s
